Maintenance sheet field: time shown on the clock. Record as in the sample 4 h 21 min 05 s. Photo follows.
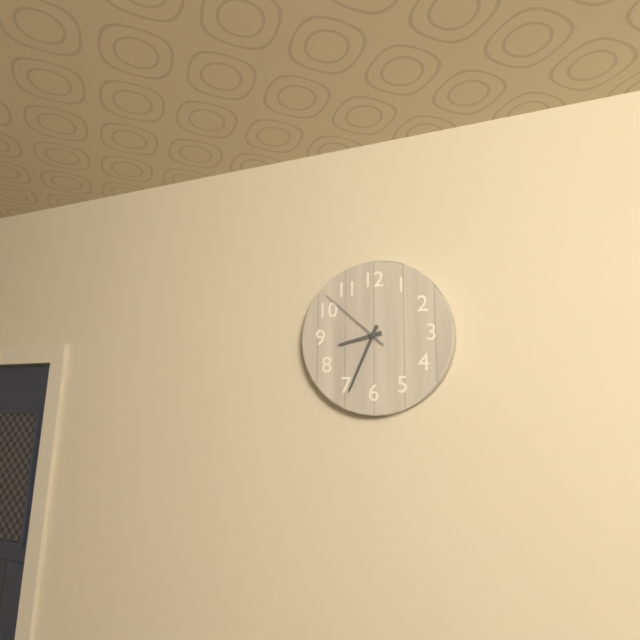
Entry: 8 h 34 min 52 s
